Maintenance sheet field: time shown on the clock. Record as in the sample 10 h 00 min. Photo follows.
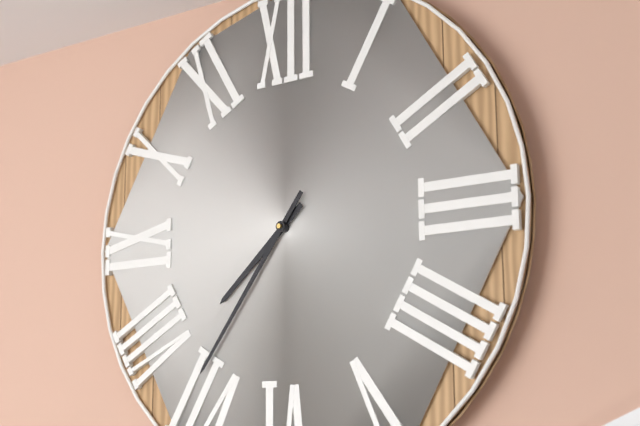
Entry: 7 h 36 min
